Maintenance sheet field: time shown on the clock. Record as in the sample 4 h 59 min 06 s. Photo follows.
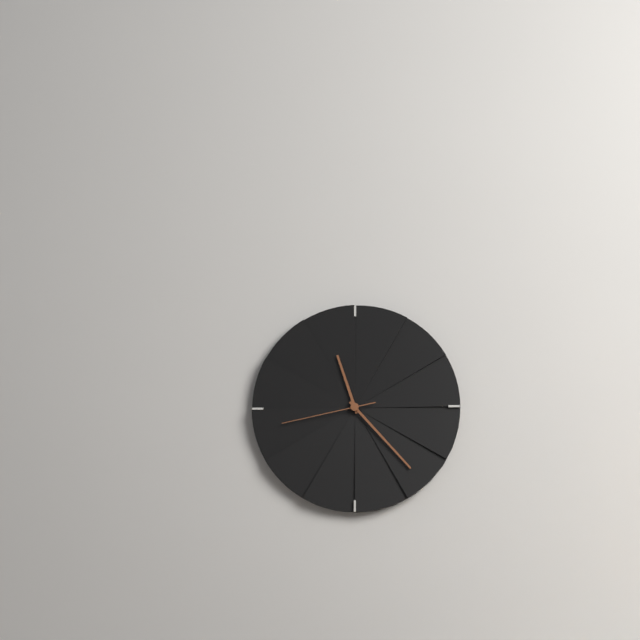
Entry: 11 h 23 min 43 s
